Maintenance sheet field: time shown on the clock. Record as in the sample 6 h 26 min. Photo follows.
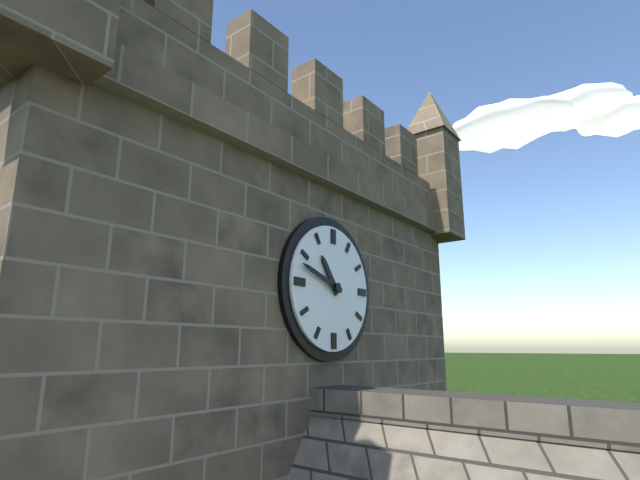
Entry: 10 h 48 min
